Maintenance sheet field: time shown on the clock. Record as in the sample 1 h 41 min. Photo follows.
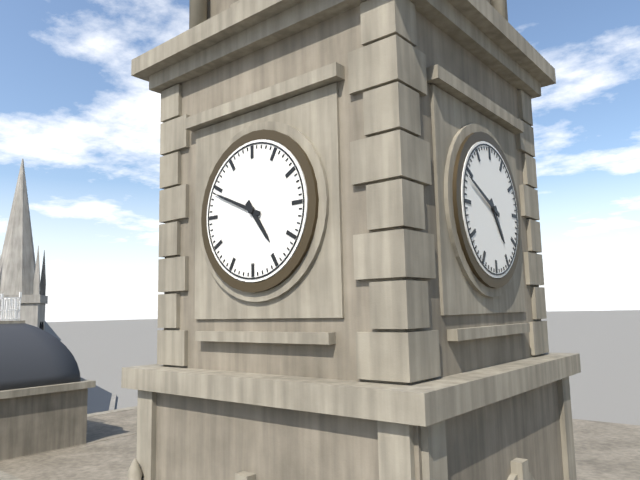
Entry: 4 h 49 min
